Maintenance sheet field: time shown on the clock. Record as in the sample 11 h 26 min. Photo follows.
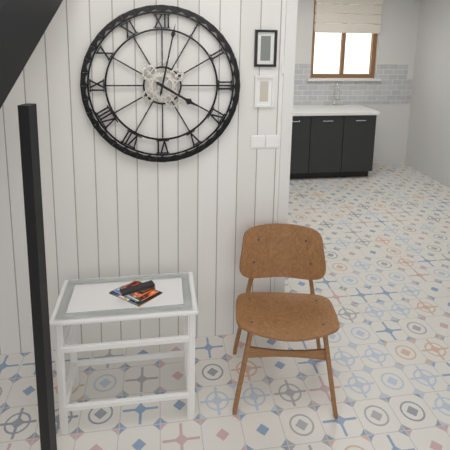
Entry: 4 h 02 min
